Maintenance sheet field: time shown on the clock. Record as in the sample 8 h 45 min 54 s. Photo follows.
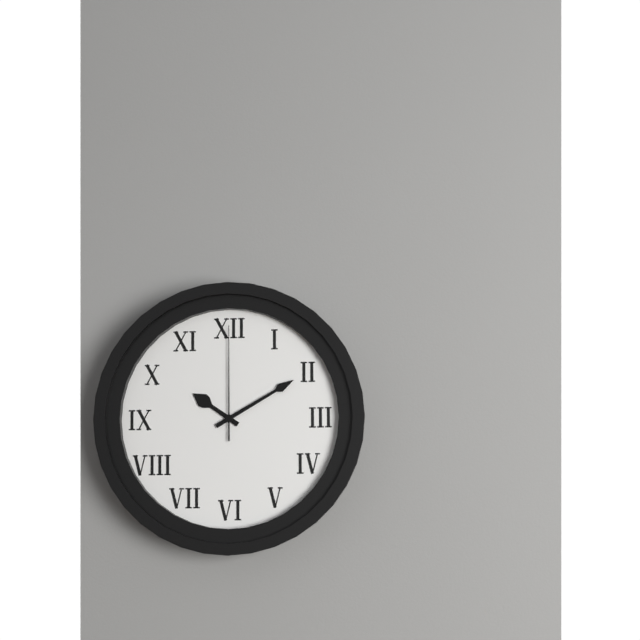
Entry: 10 h 10 min 00 s
